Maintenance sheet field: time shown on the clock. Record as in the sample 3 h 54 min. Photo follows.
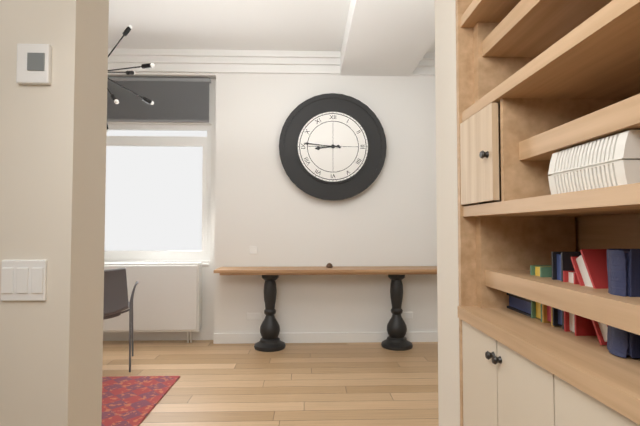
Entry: 8 h 46 min
